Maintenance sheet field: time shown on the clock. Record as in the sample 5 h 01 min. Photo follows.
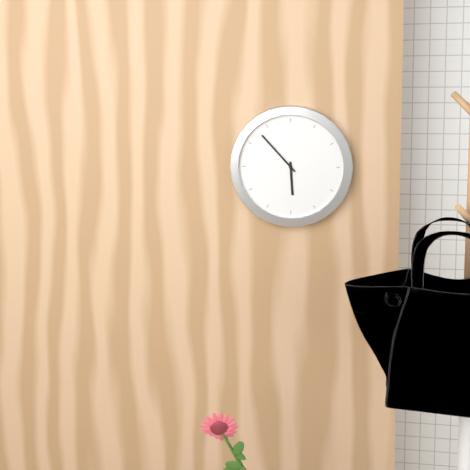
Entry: 5 h 53 min
